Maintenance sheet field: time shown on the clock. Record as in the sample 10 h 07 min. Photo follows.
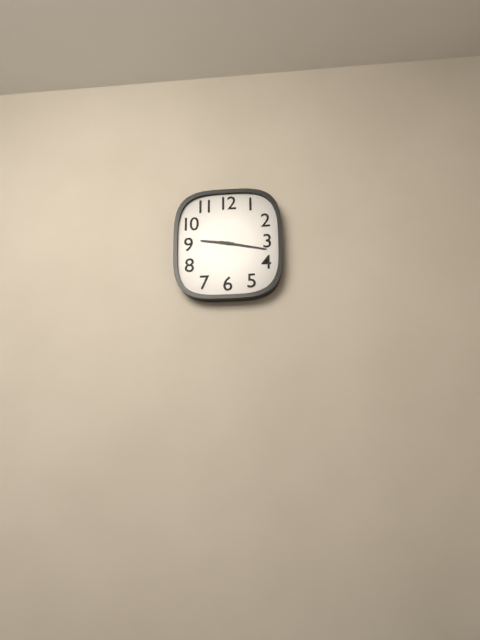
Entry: 9 h 17 min
